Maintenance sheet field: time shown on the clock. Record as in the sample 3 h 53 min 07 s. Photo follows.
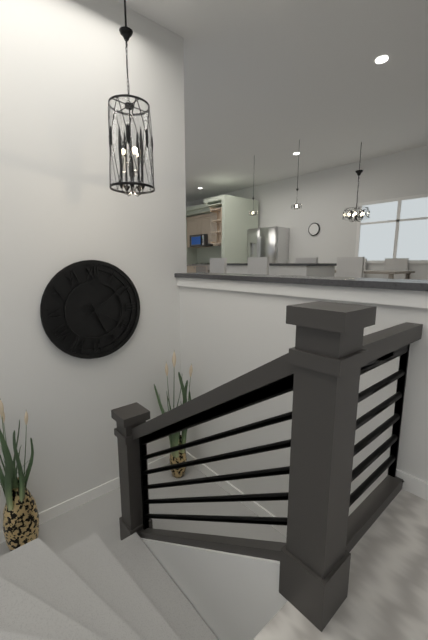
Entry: 5 h 09 min 20 s
